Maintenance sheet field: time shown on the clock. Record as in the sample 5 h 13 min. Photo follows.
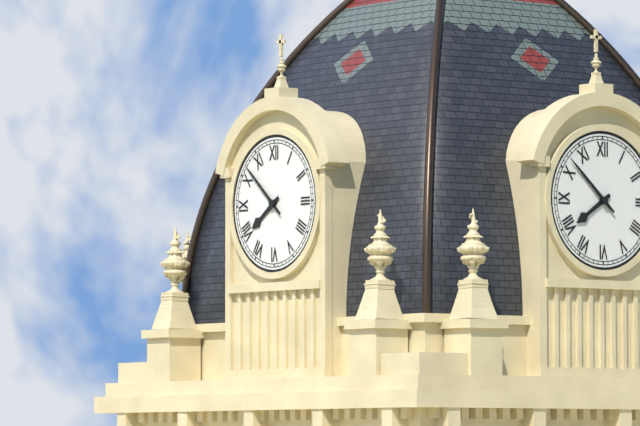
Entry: 7 h 52 min
